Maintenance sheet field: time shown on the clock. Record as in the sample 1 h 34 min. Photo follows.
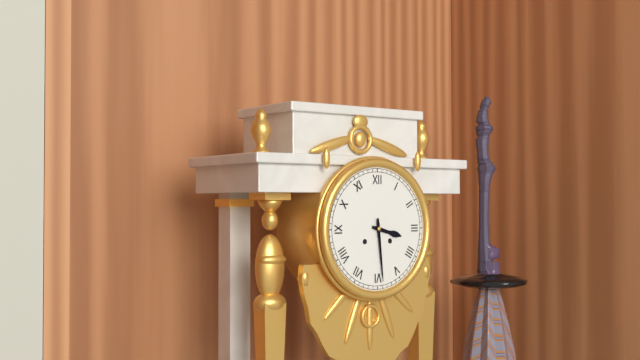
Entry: 3 h 29 min
